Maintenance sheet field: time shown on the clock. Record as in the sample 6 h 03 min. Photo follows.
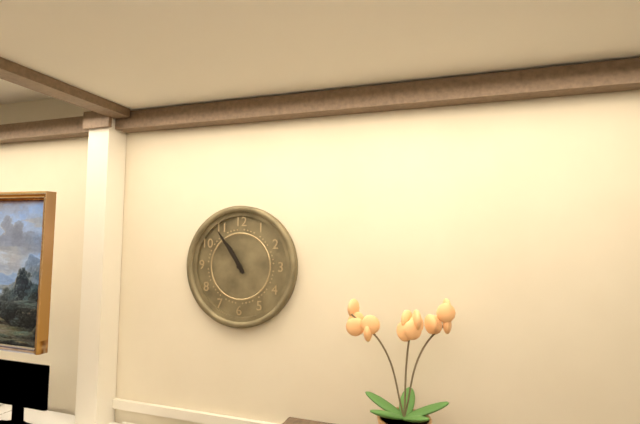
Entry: 10 h 54 min
